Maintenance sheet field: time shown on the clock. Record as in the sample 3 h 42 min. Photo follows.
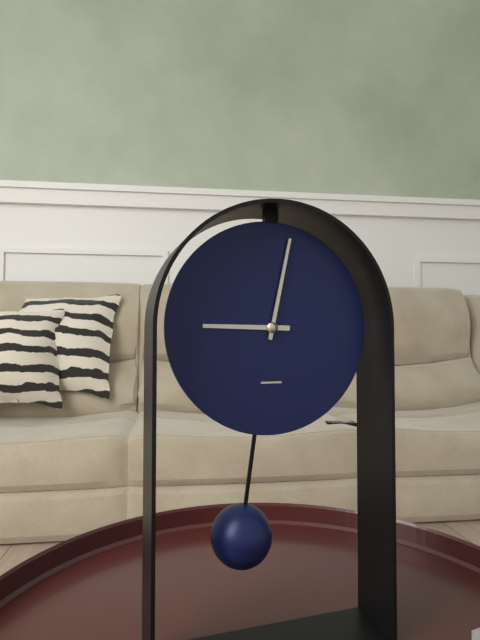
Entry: 9 h 02 min
